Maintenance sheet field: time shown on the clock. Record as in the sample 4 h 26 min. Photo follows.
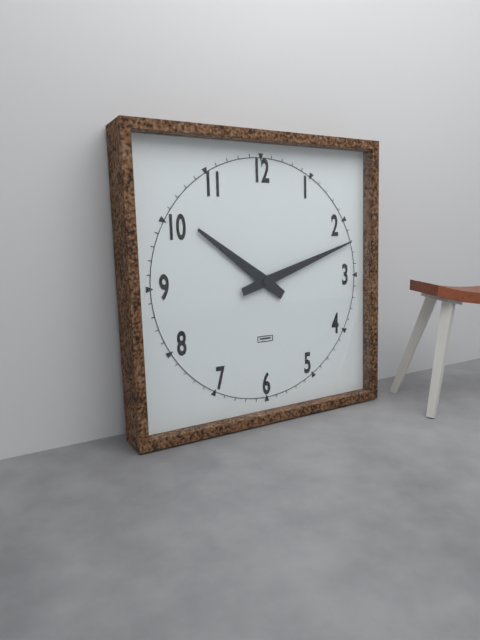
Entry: 10 h 12 min
